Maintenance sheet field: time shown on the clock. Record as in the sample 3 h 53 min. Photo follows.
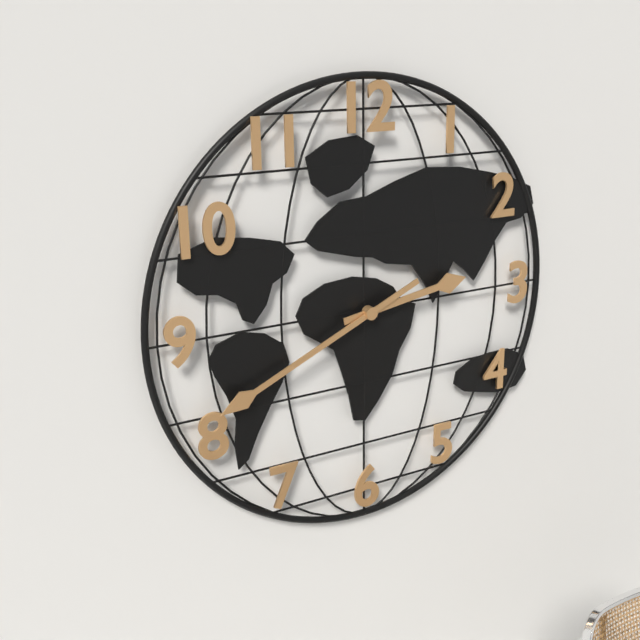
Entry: 2 h 41 min
